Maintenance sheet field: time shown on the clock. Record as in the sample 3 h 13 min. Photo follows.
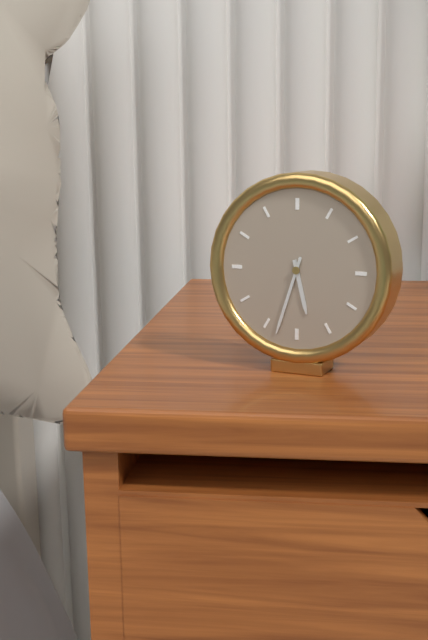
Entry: 5 h 33 min
